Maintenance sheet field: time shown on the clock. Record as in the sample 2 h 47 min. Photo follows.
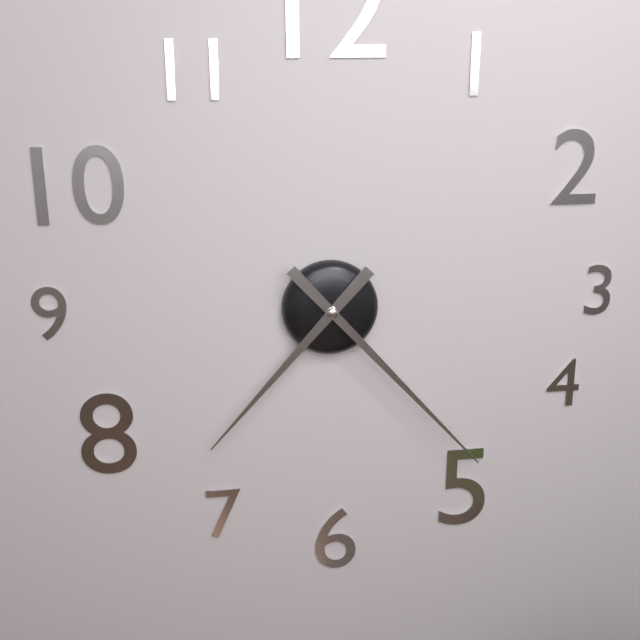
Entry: 7 h 23 min
